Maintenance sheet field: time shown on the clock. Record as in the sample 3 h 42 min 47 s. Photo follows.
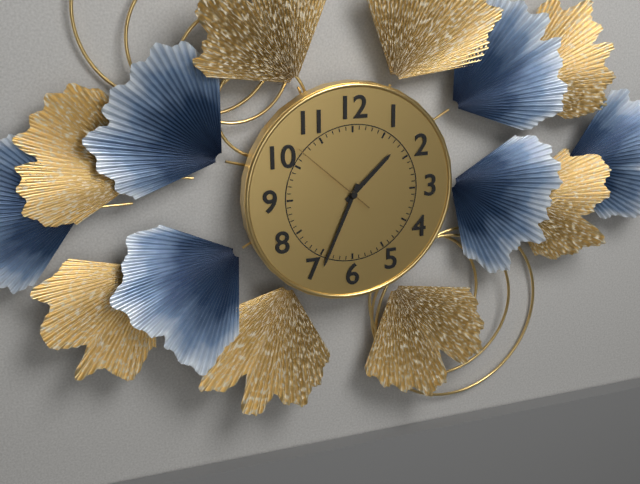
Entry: 1 h 34 min 52 s
